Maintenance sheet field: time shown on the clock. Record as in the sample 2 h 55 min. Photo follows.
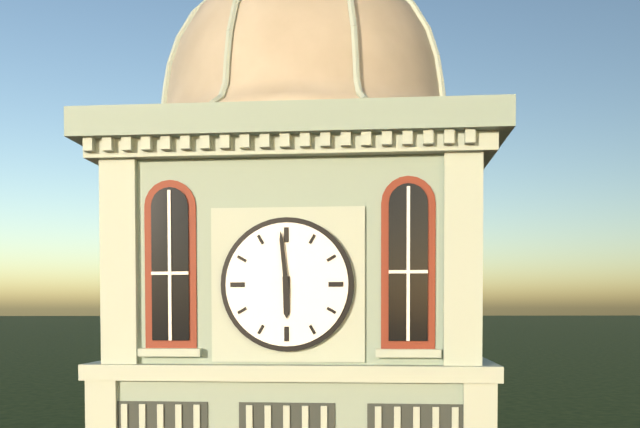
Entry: 5 h 59 min
